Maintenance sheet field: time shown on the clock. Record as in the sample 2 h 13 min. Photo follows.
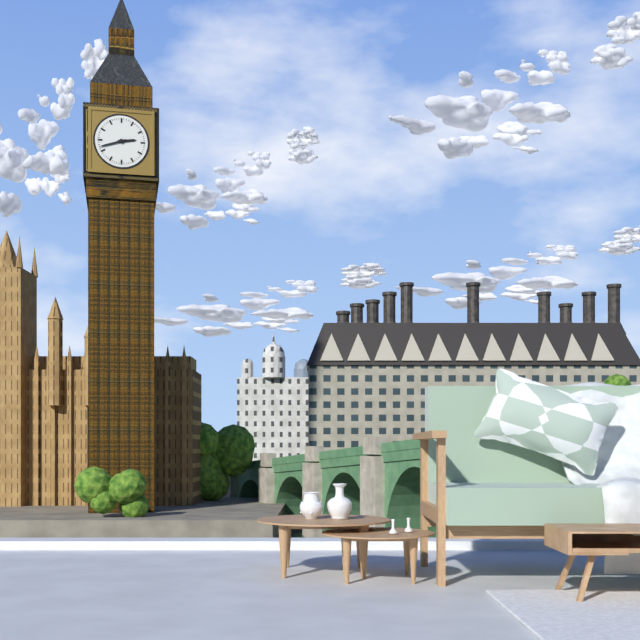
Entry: 2 h 42 min
